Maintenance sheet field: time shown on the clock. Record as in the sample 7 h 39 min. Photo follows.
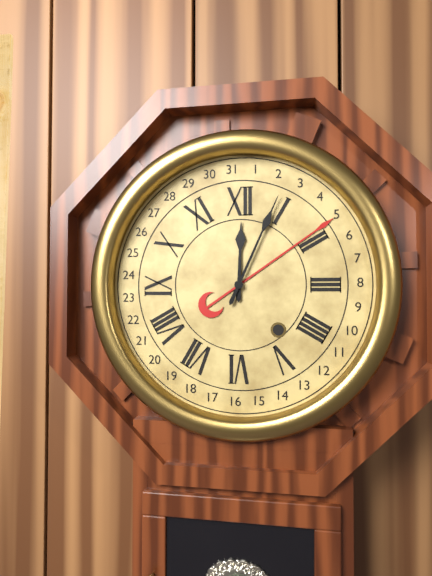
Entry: 12 h 04 min
